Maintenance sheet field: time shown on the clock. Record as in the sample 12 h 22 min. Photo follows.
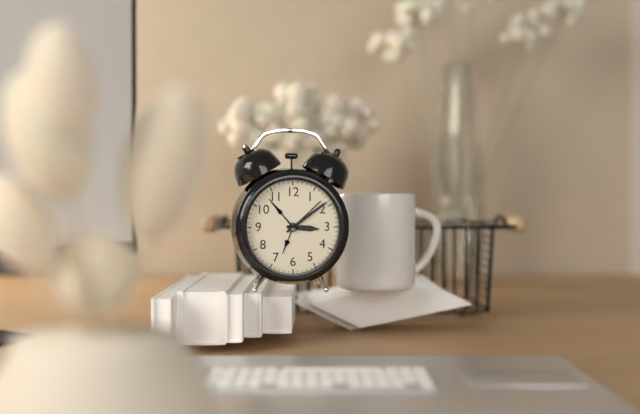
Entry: 3 h 09 min
